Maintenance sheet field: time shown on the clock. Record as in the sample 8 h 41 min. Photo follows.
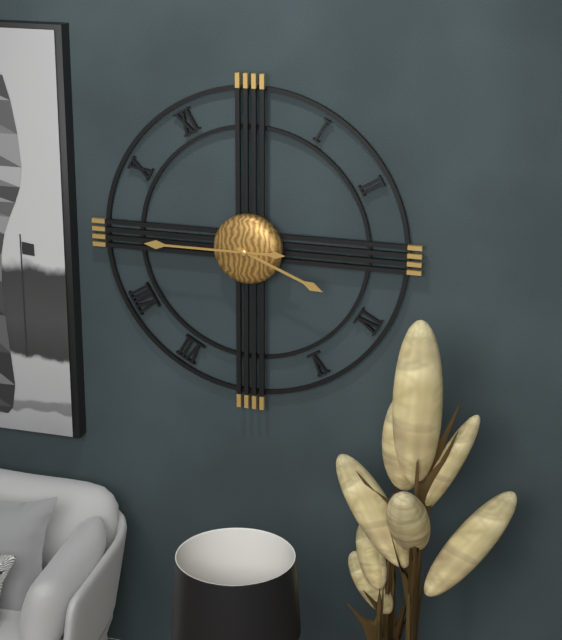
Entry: 3 h 45 min
